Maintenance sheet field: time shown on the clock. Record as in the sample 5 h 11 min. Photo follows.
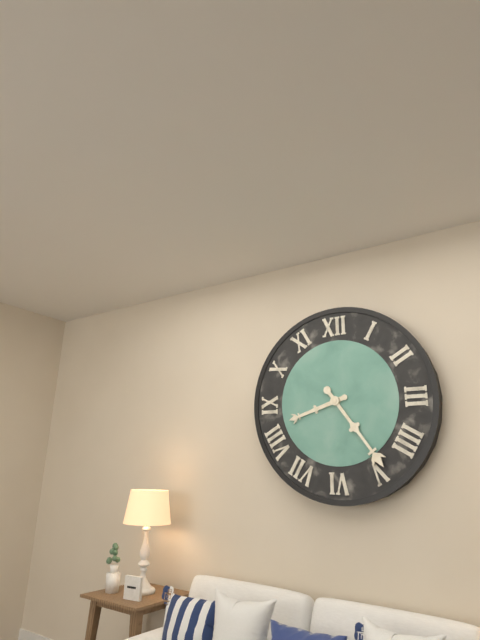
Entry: 8 h 24 min
